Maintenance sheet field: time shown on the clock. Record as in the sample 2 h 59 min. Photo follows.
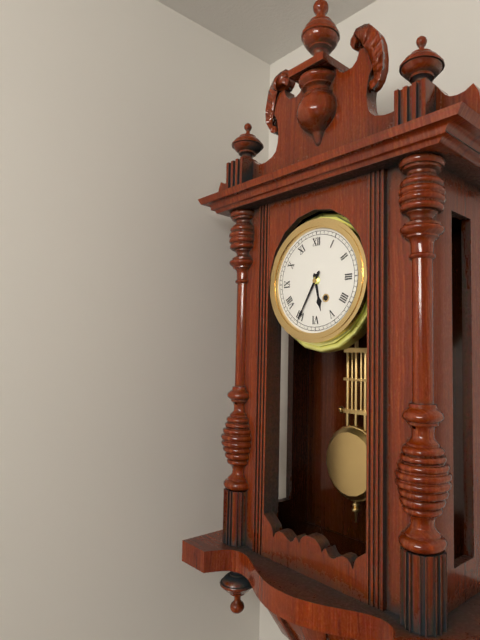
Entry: 5 h 35 min
